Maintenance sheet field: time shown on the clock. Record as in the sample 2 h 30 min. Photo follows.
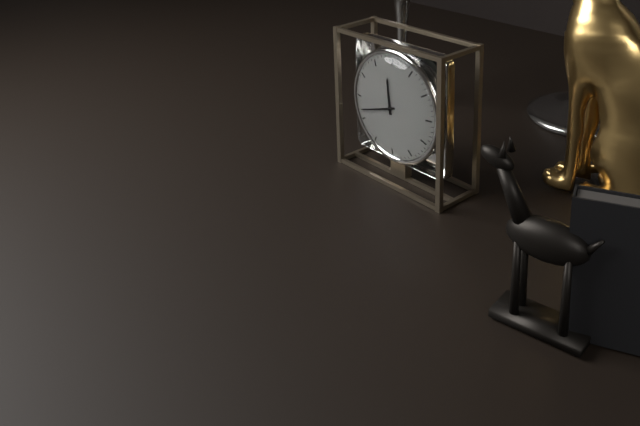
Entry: 11 h 42 min
